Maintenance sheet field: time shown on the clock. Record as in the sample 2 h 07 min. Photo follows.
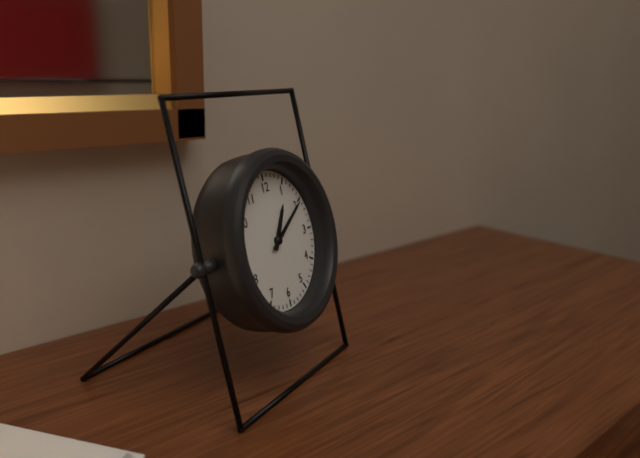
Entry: 1 h 10 min
